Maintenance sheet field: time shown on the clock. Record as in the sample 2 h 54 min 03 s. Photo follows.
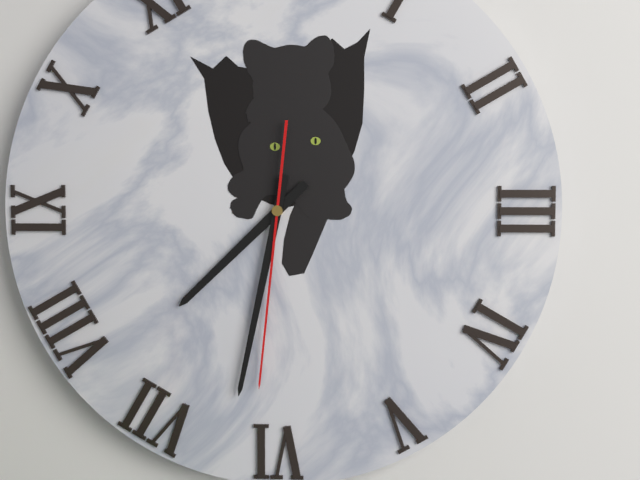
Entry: 7 h 32 min 31 s
